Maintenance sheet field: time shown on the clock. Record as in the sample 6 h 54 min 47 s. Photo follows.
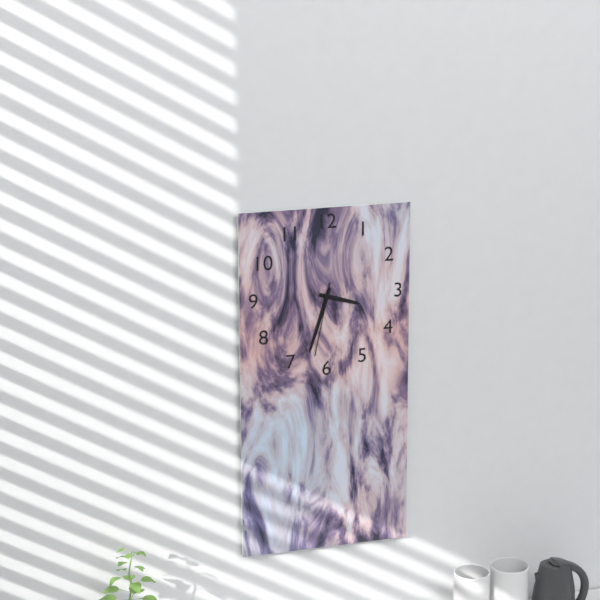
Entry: 3 h 33 min 32 s
